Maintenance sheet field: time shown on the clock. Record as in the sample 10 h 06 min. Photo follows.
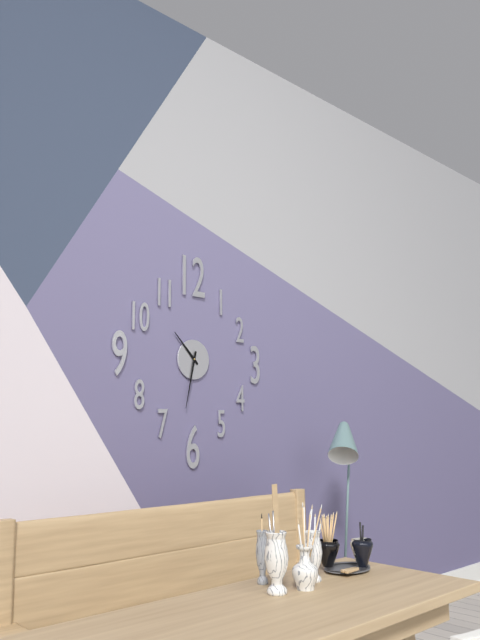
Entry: 10 h 32 min
